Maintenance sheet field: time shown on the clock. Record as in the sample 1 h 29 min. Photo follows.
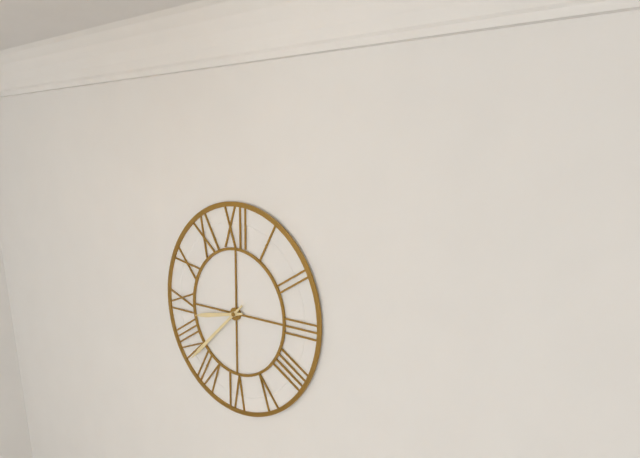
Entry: 8 h 38 min
